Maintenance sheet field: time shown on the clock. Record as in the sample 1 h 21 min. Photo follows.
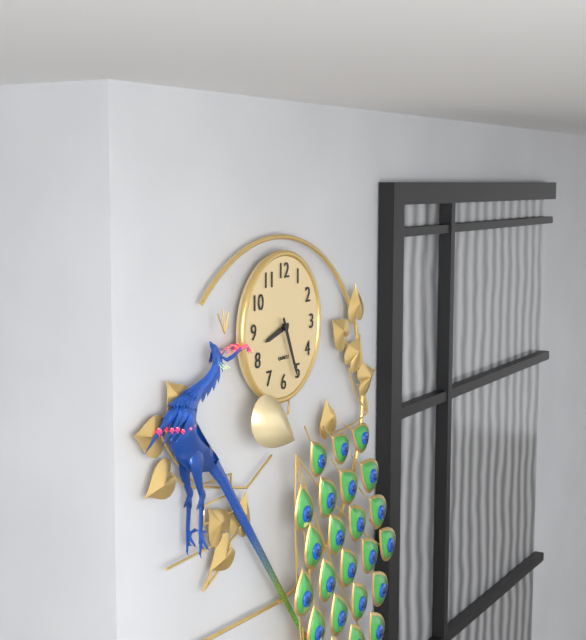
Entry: 8 h 26 min
